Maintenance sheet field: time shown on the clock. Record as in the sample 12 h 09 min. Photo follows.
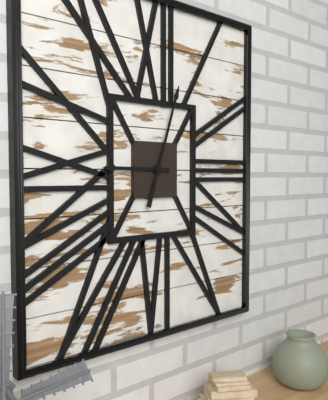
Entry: 9 h 03 min
